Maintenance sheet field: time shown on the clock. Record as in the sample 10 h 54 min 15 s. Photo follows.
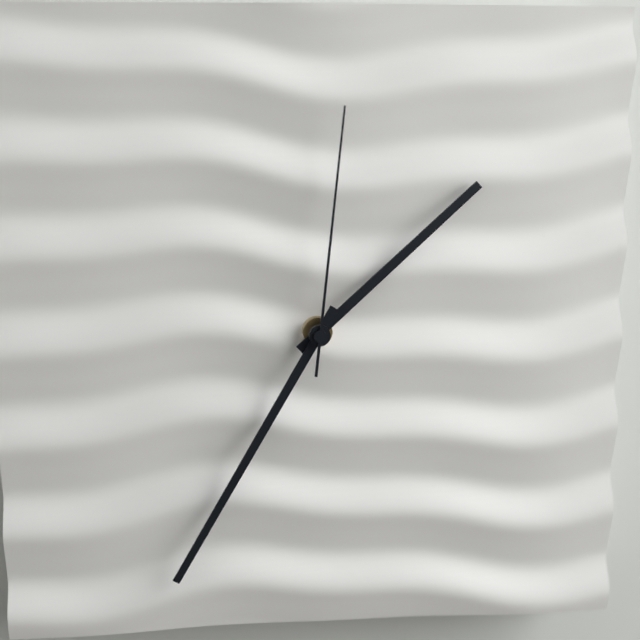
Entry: 1 h 35 min 01 s
